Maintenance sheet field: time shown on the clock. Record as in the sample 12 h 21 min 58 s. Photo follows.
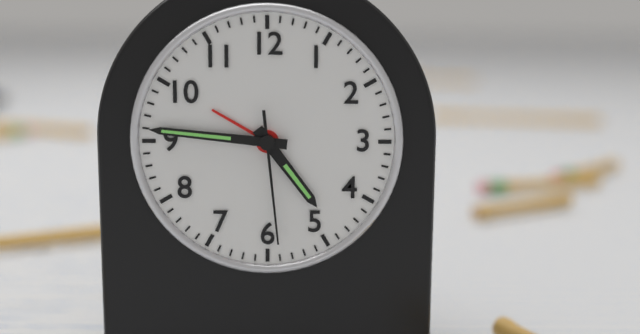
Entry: 4 h 46 min 29 s
